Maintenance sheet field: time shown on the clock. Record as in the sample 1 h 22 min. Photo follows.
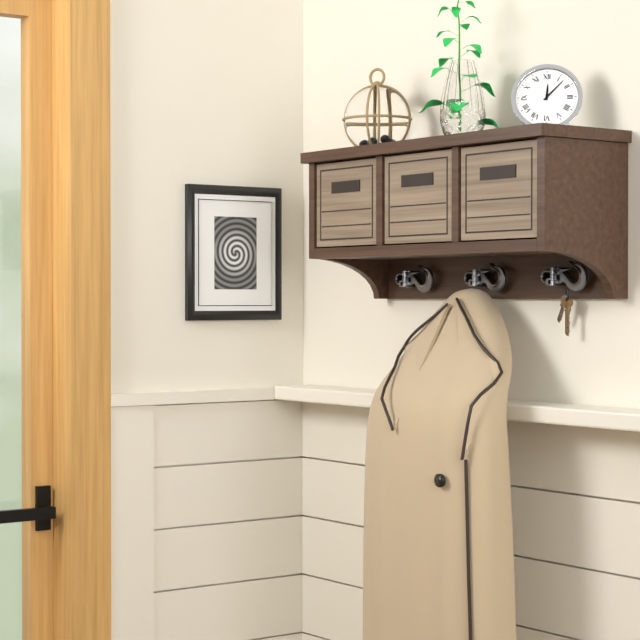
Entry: 12 h 07 min
